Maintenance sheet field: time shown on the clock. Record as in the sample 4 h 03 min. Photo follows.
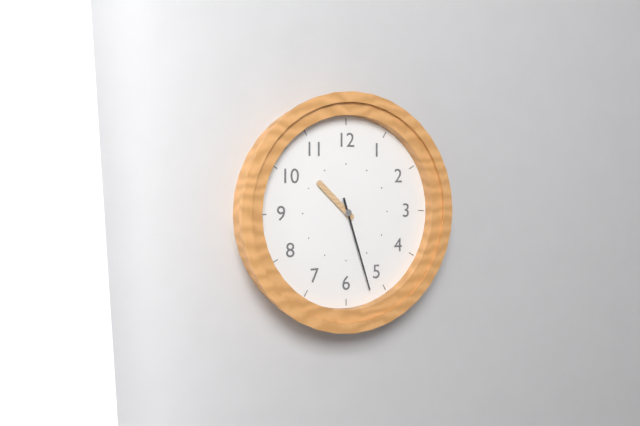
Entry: 10 h 27 min
